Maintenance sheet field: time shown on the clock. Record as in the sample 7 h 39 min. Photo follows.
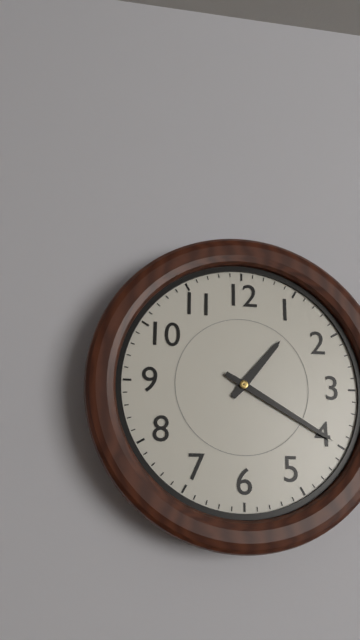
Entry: 1 h 20 min
